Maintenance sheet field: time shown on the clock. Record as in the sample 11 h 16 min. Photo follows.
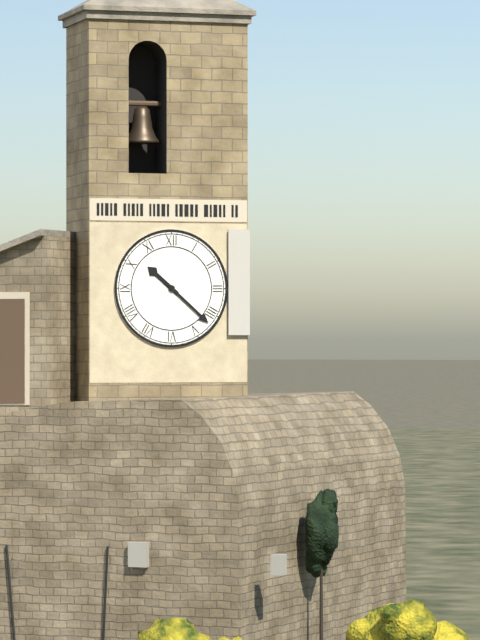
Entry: 10 h 22 min
